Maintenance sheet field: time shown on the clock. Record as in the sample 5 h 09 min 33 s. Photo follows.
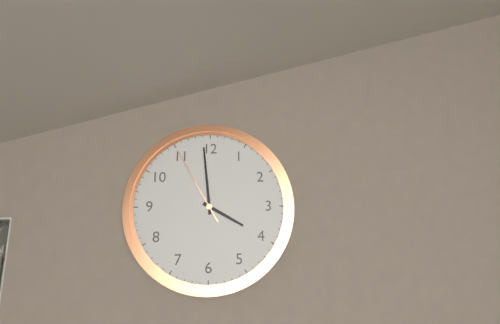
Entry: 3 h 59 min 55 s
